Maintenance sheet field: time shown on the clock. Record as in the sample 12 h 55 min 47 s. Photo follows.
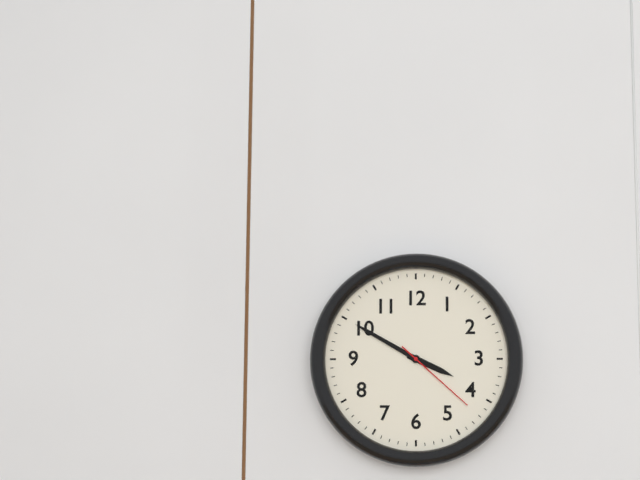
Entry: 3 h 50 min 22 s
